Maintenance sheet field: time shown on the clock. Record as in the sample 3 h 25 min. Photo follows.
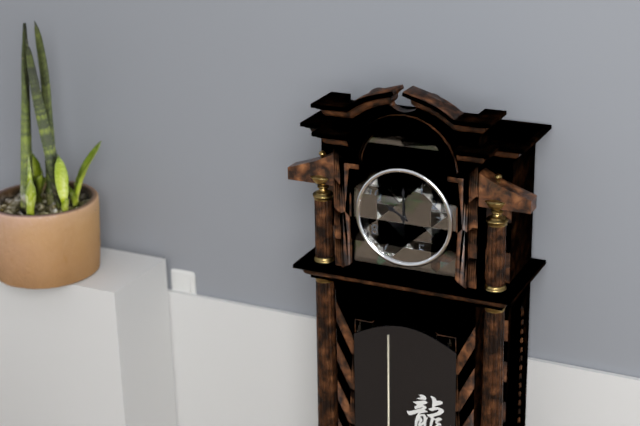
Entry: 10 h 00 min
